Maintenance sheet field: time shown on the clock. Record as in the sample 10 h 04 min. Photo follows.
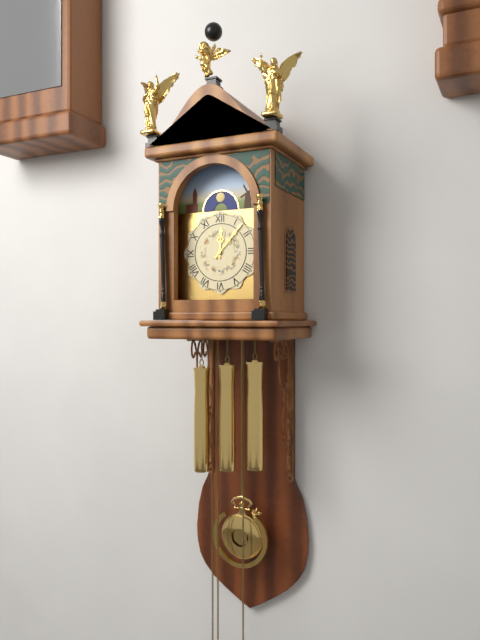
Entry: 12 h 07 min
